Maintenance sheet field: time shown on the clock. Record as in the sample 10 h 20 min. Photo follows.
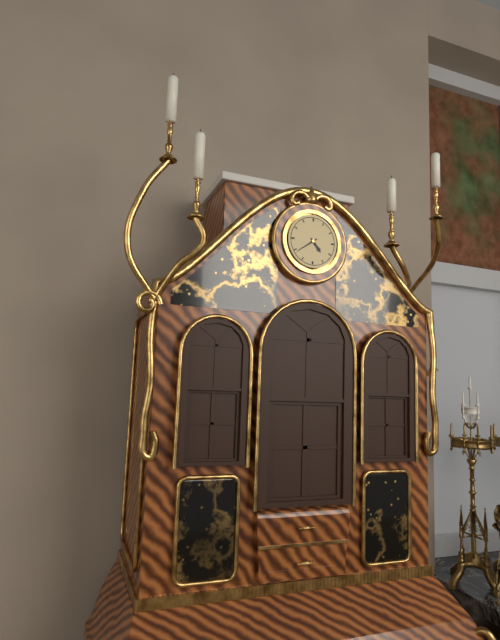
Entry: 4 h 39 min
